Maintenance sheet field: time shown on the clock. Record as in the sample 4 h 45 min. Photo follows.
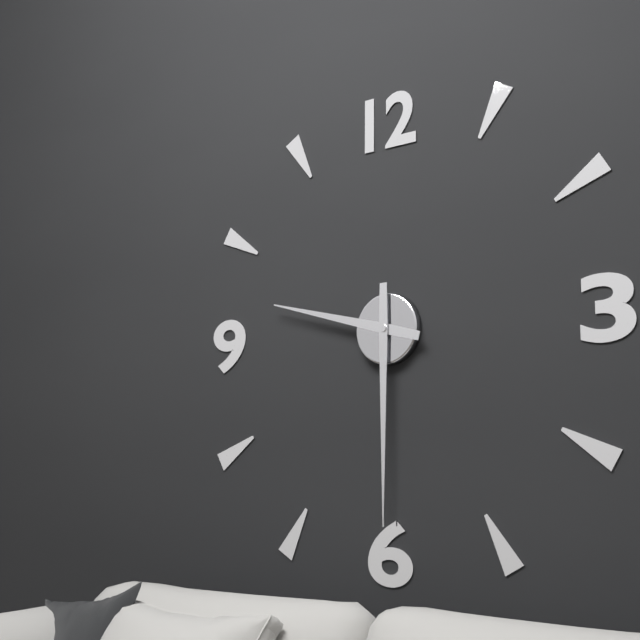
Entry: 9 h 30 min
